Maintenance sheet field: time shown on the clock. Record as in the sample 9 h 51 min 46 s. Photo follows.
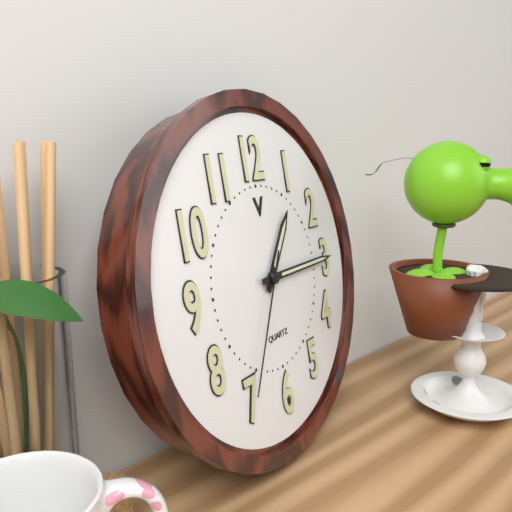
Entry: 1 h 15 min 35 s
